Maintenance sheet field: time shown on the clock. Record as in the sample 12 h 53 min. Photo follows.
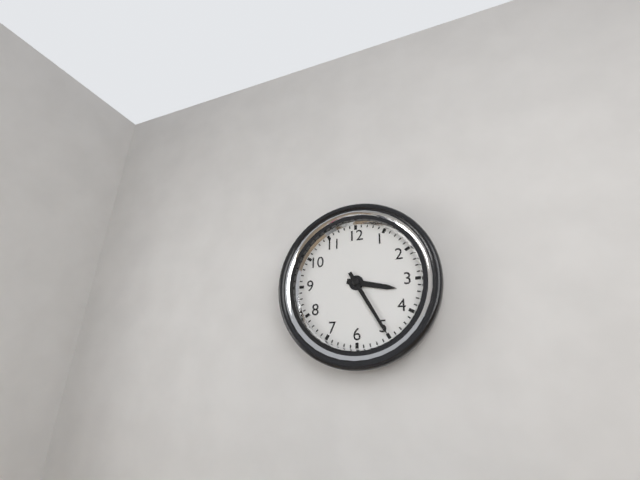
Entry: 3 h 25 min
